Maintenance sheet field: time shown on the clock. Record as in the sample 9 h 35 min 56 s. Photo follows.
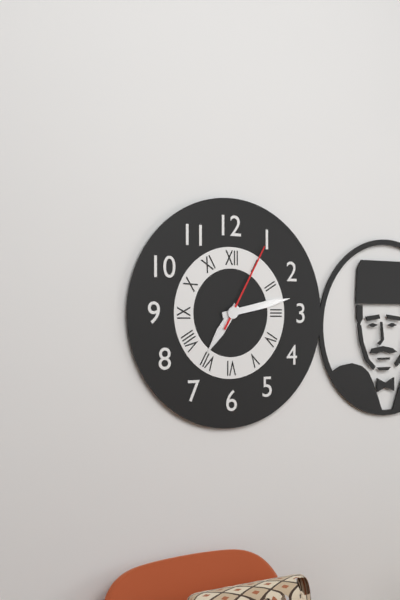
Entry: 7 h 13 min 05 s
